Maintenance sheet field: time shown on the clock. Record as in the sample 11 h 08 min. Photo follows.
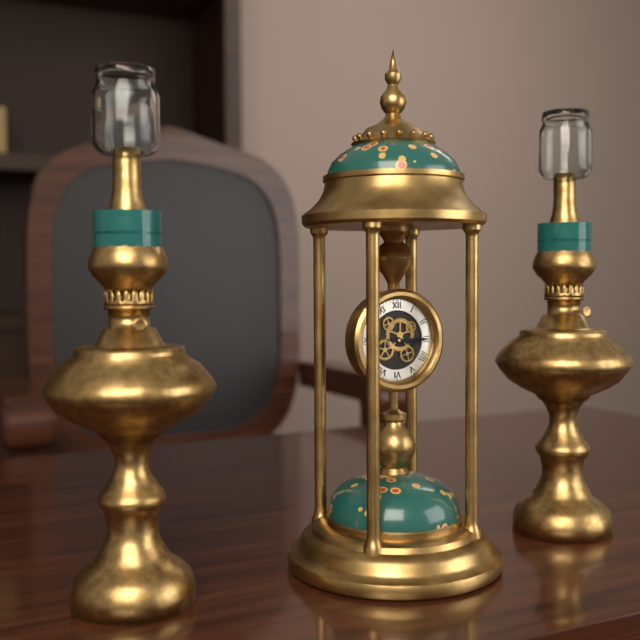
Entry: 3 h 15 min
